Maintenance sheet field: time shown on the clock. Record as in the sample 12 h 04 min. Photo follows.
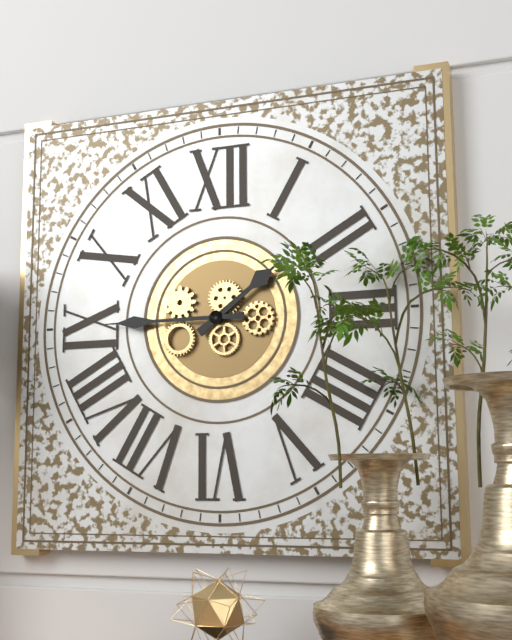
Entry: 1 h 45 min
